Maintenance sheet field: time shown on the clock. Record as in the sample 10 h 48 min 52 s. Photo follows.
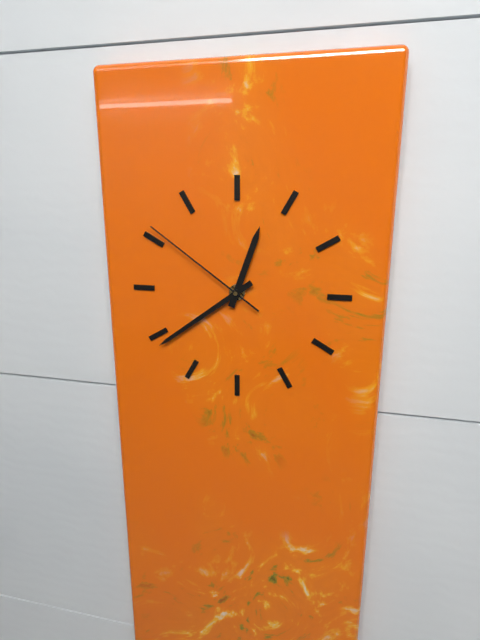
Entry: 12 h 39 min 51 s
